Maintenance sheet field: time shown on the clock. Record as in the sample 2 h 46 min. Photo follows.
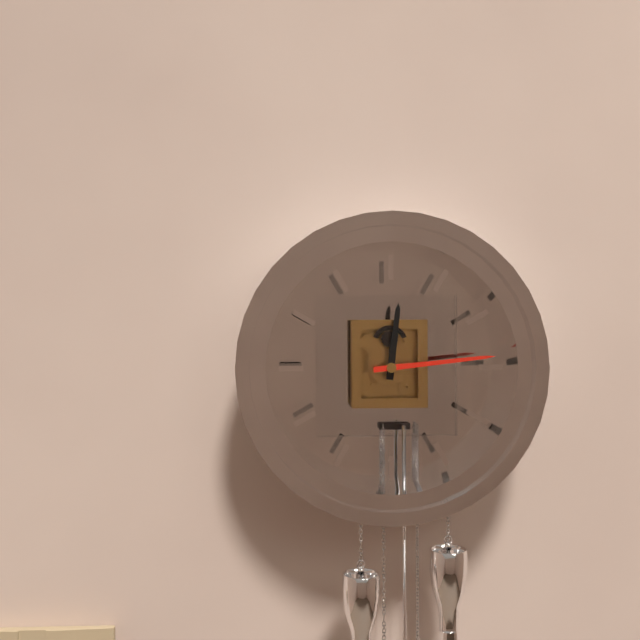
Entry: 12 h 14 min
